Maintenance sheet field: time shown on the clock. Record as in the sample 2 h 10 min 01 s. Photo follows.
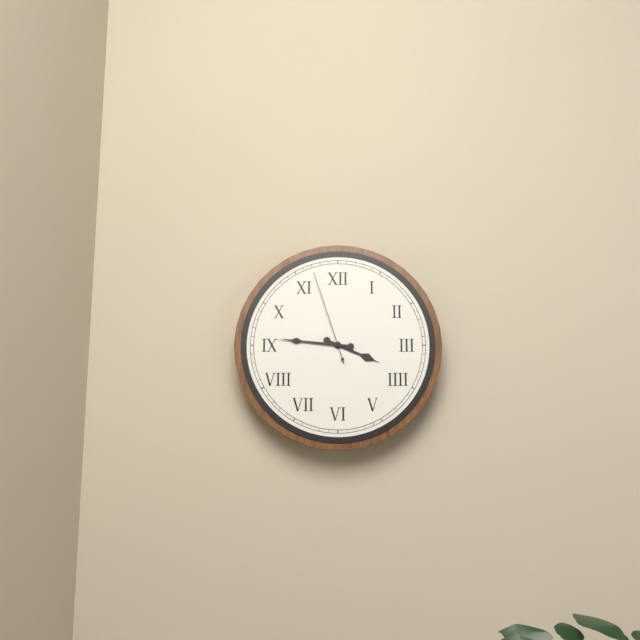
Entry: 3 h 46 min 57 s
